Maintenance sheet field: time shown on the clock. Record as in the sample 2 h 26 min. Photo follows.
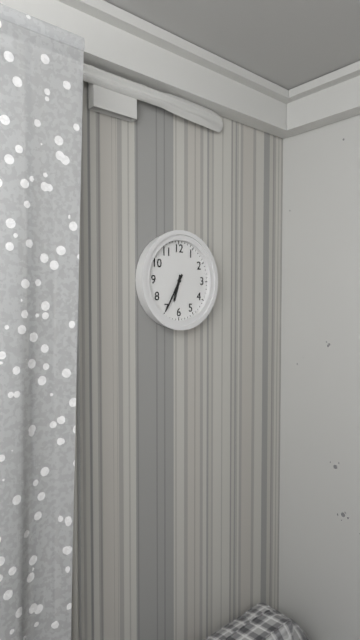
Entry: 6 h 35 min
